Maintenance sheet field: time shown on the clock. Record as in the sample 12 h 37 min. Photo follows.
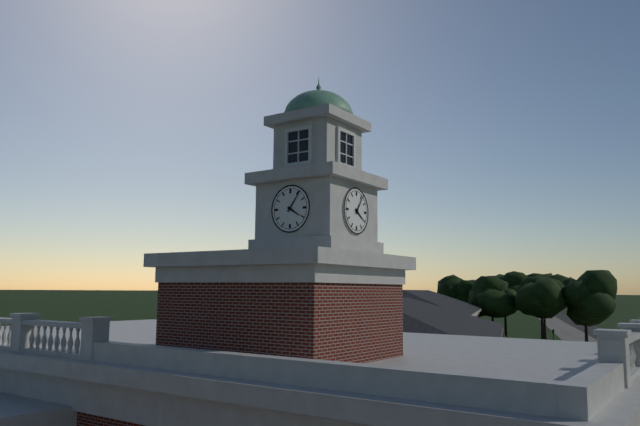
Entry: 4 h 06 min
